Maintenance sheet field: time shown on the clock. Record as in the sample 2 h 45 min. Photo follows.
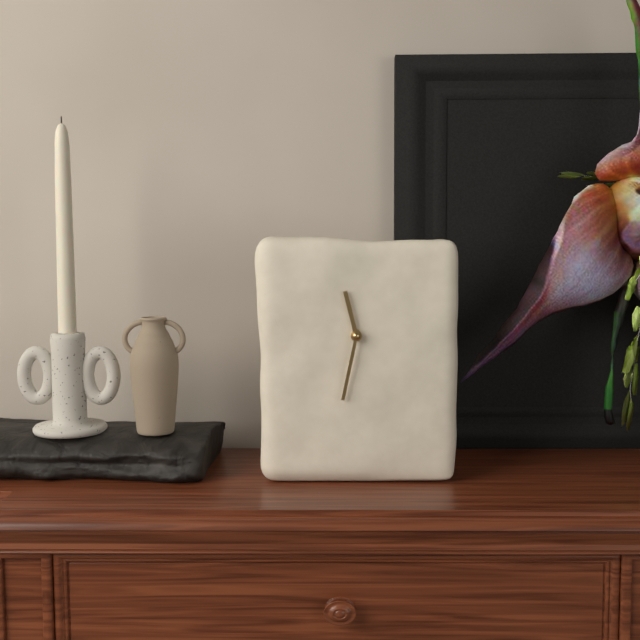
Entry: 11 h 32 min
